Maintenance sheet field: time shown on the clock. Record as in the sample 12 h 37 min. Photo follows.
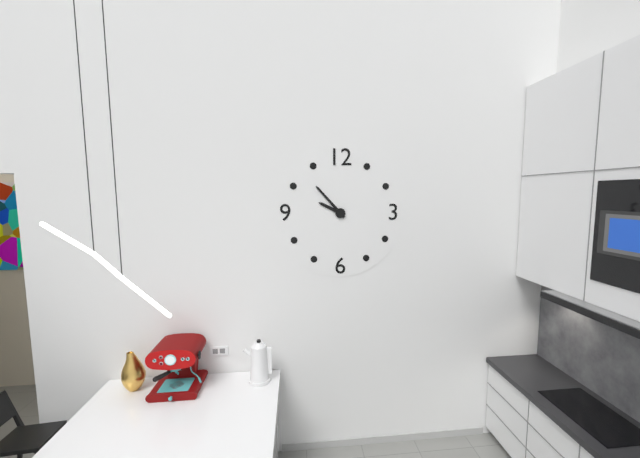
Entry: 9 h 53 min
